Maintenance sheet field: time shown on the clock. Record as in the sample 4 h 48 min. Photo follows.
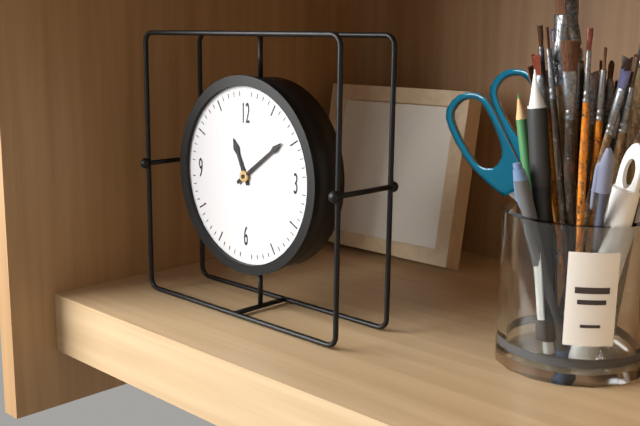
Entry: 11 h 09 min
